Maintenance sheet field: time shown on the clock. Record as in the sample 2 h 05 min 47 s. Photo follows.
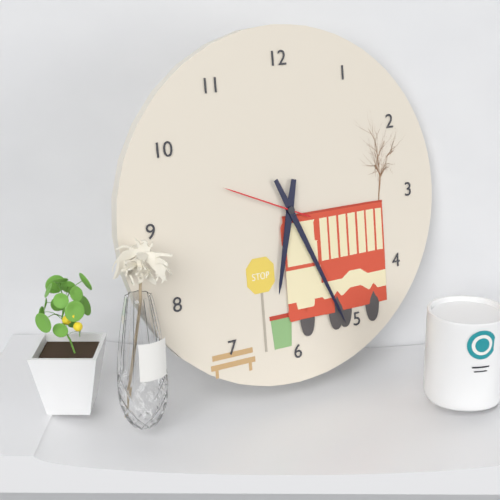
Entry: 6 h 26 min 49 s
